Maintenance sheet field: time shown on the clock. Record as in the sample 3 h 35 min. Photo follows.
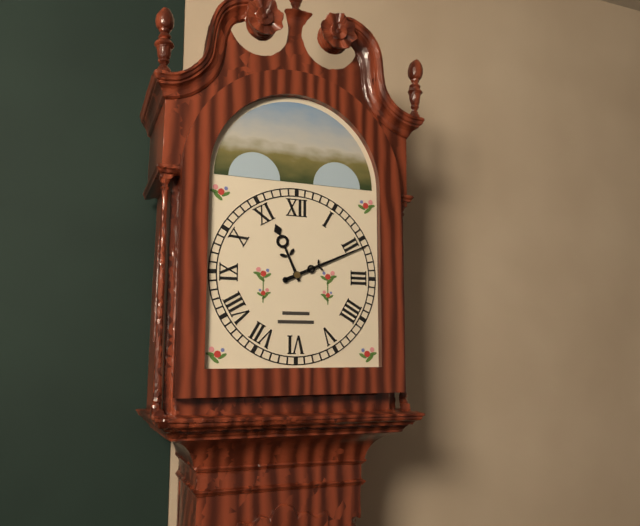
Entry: 11 h 11 min
